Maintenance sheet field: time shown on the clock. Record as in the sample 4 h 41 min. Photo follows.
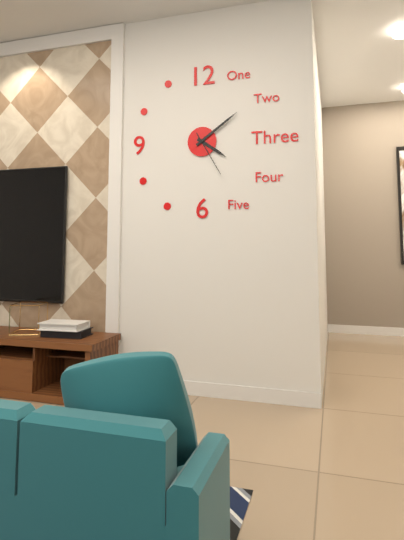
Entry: 4 h 09 min
